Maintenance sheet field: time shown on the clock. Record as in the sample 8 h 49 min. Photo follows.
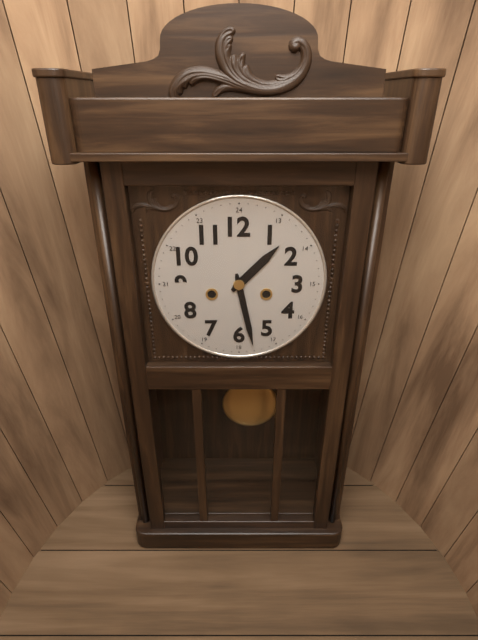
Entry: 1 h 28 min
